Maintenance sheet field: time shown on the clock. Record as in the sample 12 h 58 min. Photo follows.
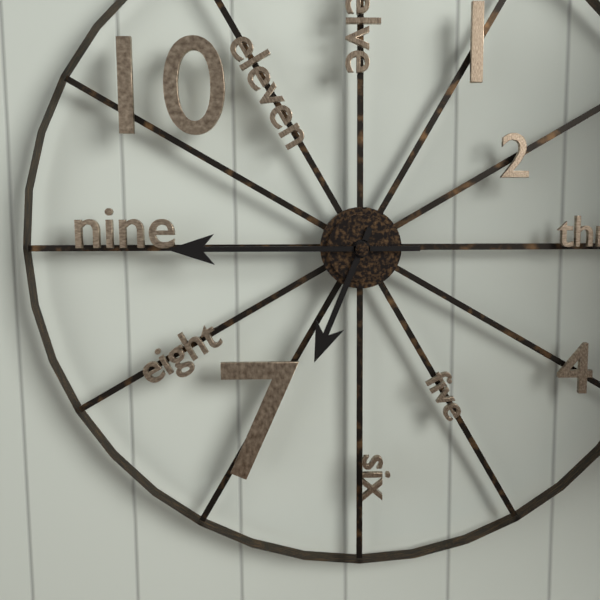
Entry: 6 h 45 min
